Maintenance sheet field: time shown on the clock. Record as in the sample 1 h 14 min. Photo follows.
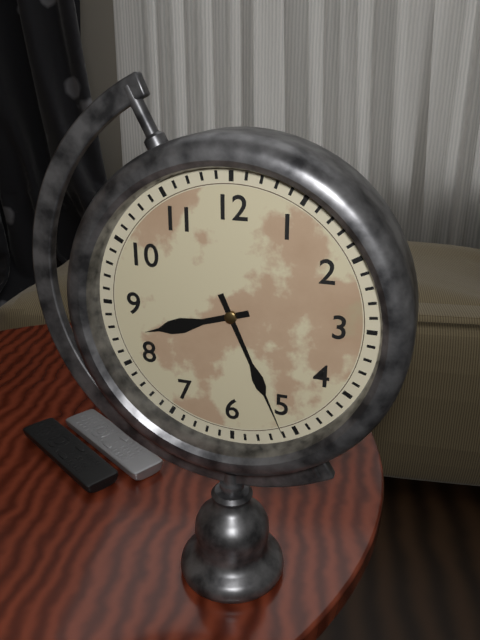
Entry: 8 h 26 min
